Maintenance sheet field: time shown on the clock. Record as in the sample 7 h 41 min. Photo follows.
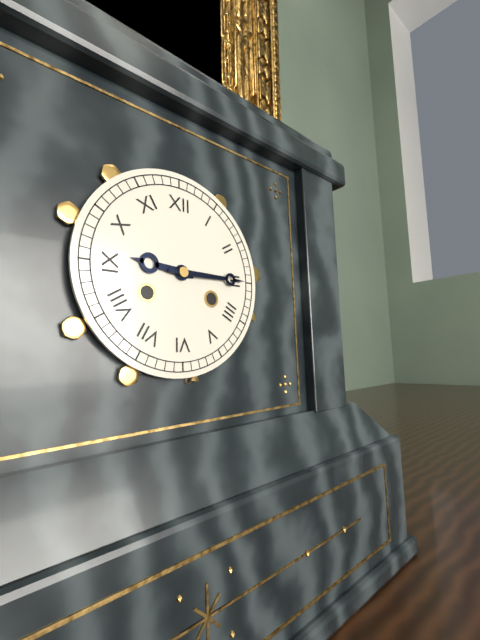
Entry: 9 h 15 min
